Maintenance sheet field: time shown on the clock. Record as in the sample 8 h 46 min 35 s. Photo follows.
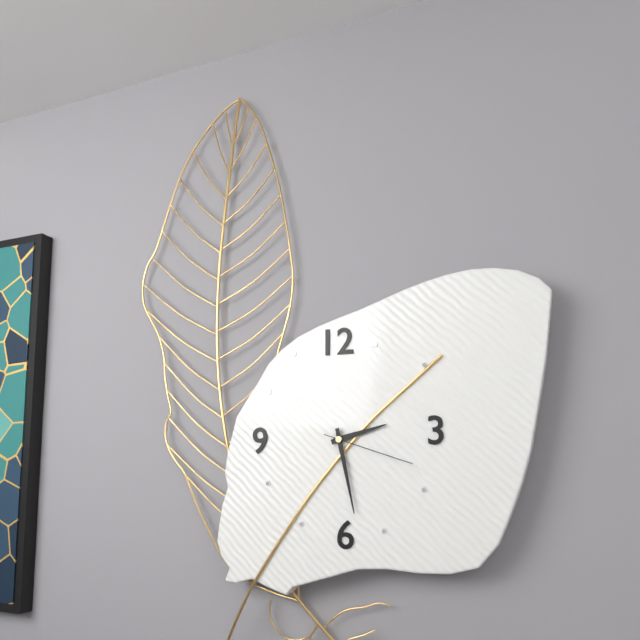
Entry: 2 h 28 min 18 s
